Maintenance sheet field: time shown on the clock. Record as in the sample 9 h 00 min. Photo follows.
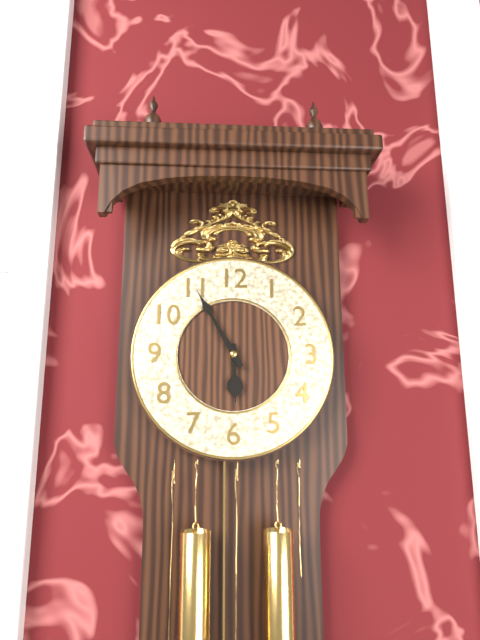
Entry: 5 h 55 min
